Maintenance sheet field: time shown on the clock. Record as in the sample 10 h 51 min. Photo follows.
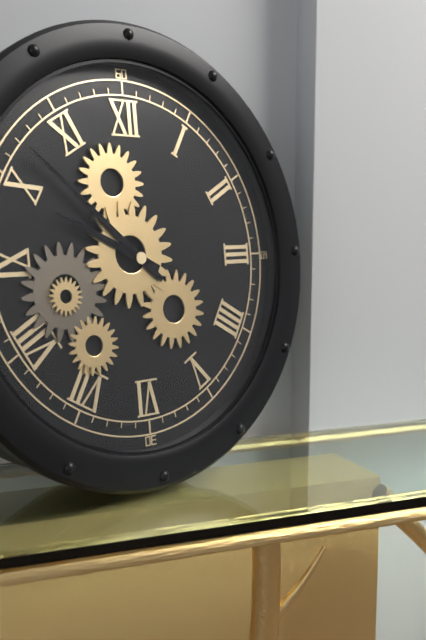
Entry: 9 h 52 min
